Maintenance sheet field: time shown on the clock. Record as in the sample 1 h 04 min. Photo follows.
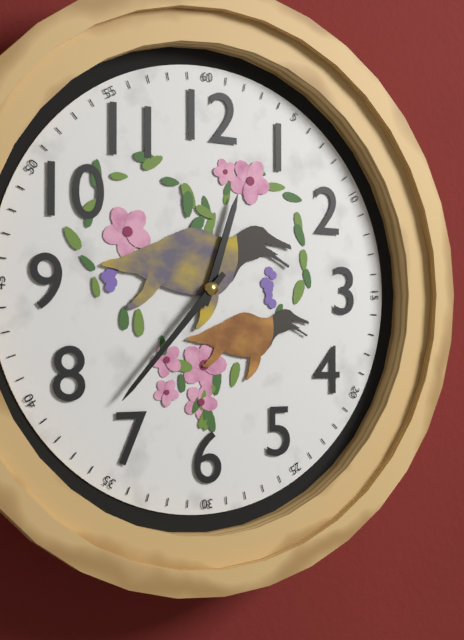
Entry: 12 h 37 min
